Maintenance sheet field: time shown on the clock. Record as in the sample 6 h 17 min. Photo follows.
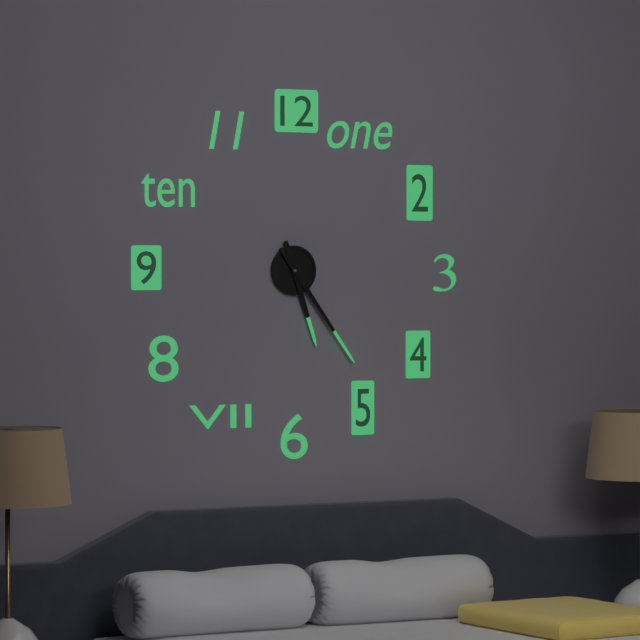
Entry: 5 h 24 min
